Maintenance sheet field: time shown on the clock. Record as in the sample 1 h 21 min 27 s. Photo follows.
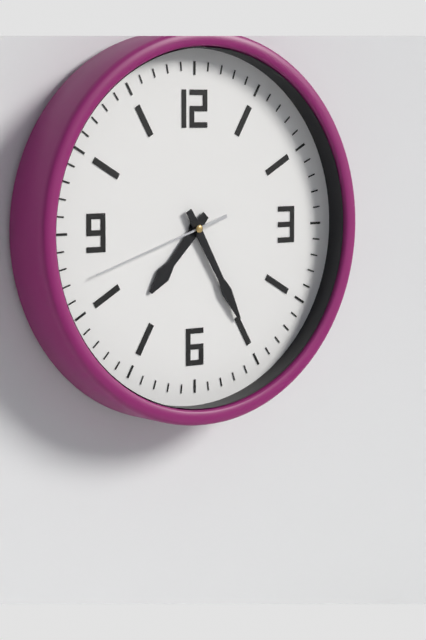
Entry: 7 h 25 min 42 s
